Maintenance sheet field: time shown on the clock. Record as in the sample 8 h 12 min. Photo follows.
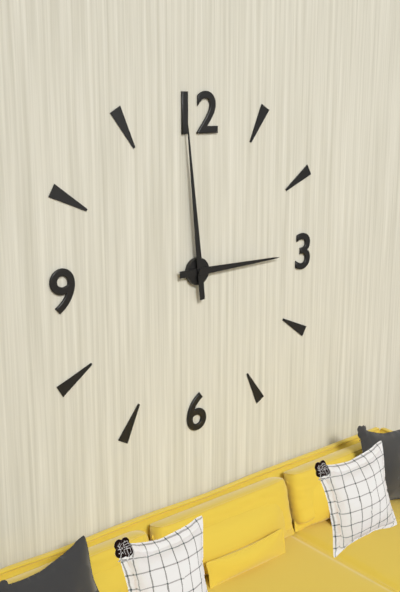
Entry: 2 h 59 min
